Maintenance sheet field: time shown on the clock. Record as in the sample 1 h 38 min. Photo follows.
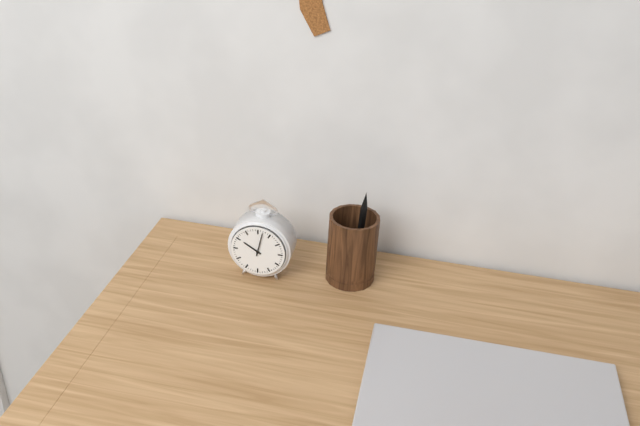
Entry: 10 h 02 min
